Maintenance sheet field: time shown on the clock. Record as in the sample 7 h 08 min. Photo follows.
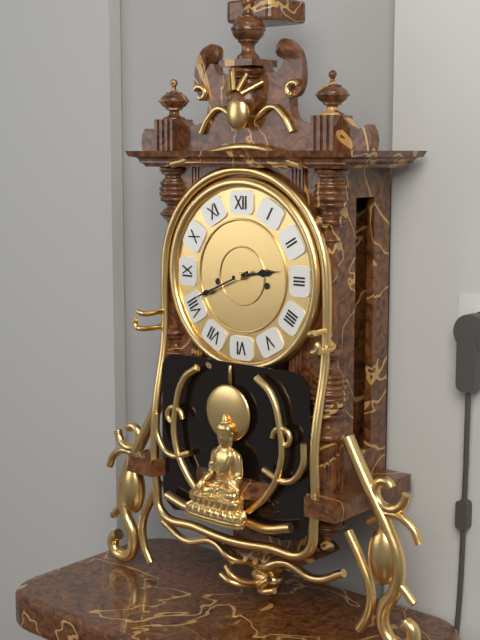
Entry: 2 h 41 min
